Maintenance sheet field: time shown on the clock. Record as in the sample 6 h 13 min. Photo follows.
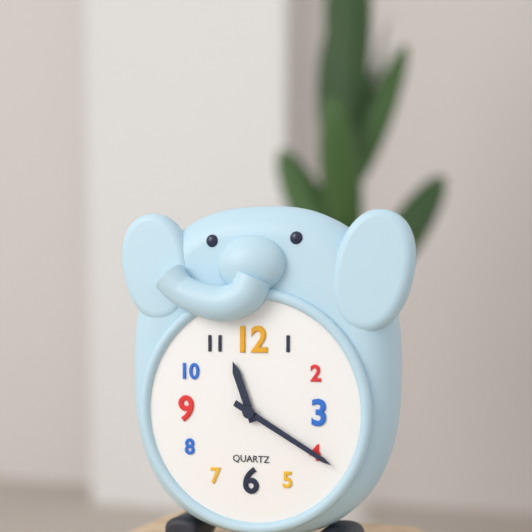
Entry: 11 h 20 min
